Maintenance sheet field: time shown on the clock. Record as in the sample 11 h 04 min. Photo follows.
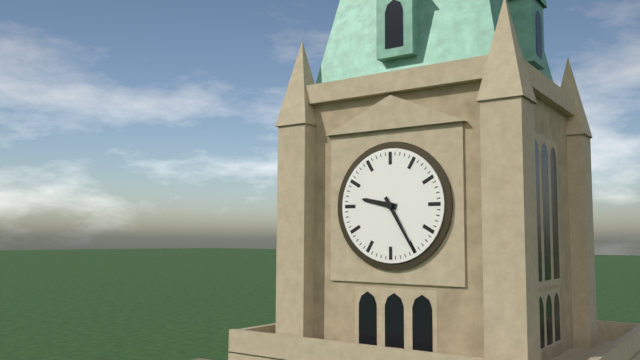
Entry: 9 h 25 min
